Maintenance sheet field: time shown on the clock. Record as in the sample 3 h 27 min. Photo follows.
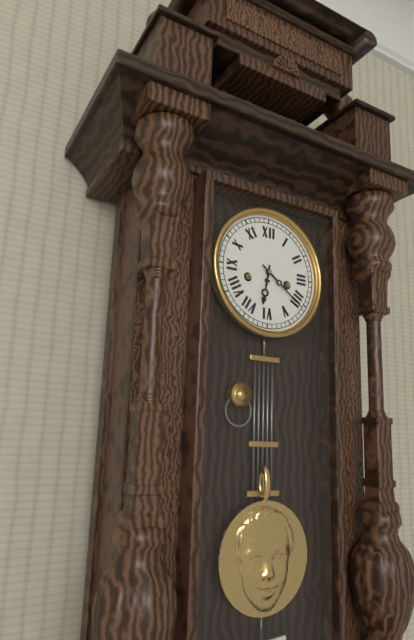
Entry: 6 h 21 min
